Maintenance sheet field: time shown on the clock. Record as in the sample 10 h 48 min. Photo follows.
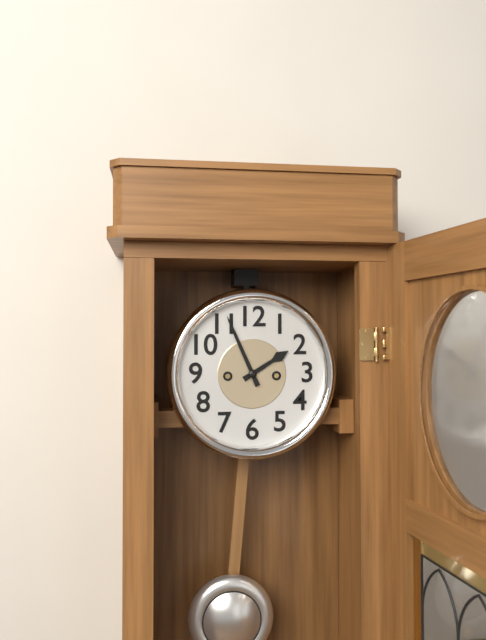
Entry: 1 h 56 min
